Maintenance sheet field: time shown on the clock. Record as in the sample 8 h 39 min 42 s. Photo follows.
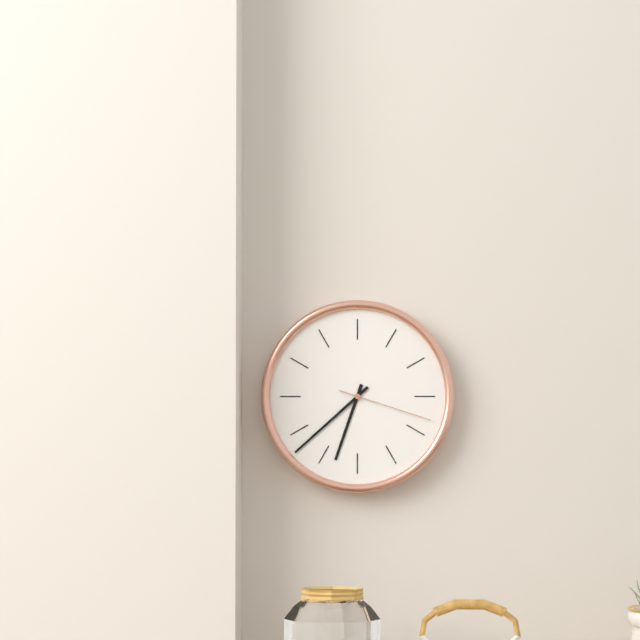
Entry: 6 h 38 min 18 s
